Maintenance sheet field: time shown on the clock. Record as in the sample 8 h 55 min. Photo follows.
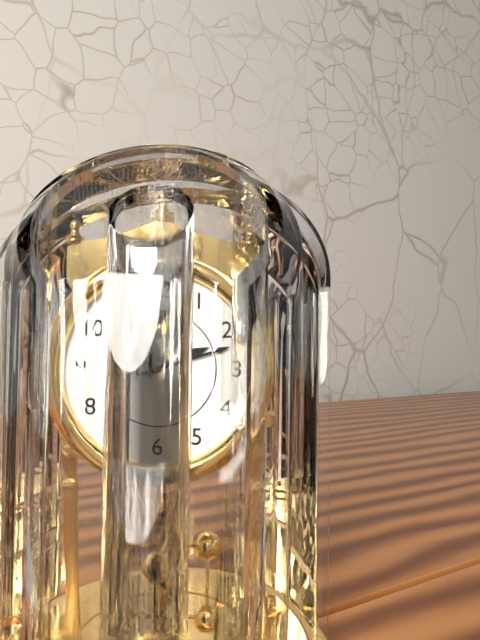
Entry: 2 h 12 min
